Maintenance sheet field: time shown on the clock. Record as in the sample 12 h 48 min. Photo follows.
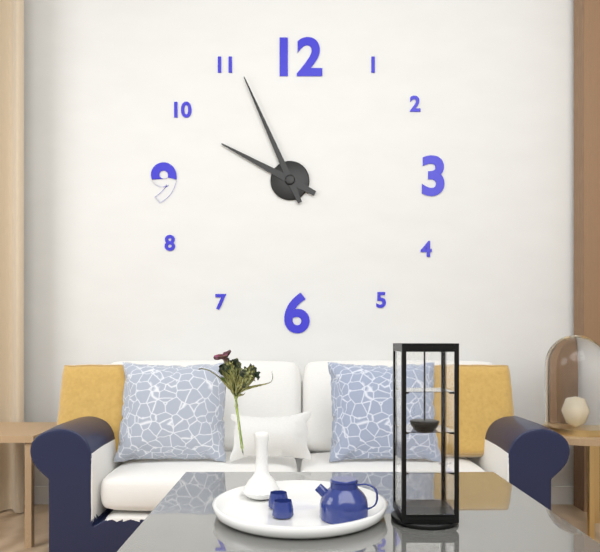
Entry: 9 h 56 min
